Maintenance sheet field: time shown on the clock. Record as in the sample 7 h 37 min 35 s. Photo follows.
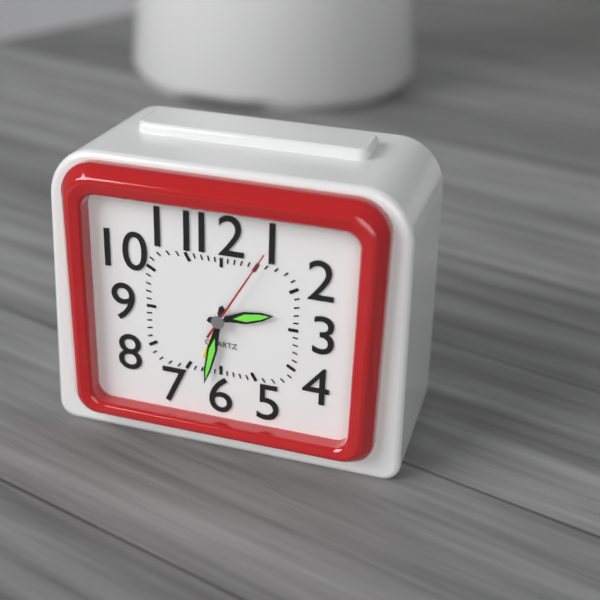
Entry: 2 h 32 min 05 s
